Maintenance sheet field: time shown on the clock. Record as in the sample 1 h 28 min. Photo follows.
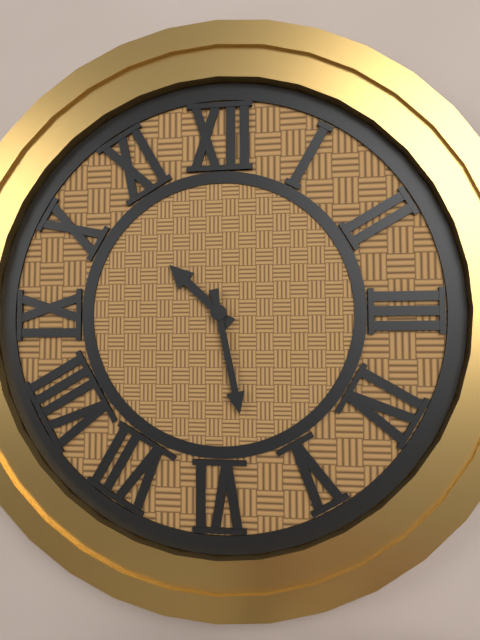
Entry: 10 h 28 min
